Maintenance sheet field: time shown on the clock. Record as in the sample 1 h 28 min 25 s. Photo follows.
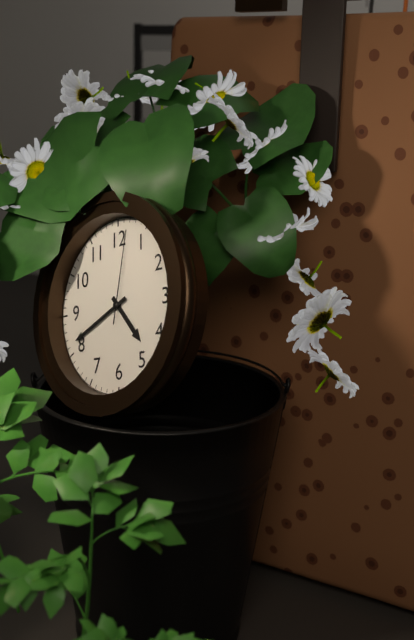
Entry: 4 h 41 min 02 s
